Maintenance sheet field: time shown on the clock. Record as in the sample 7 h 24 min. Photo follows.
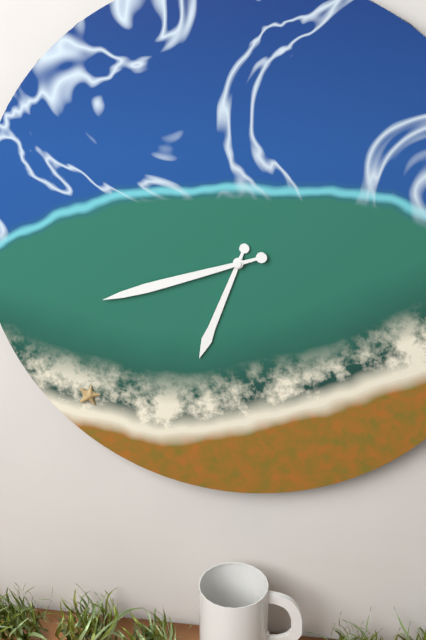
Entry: 6 h 42 min
